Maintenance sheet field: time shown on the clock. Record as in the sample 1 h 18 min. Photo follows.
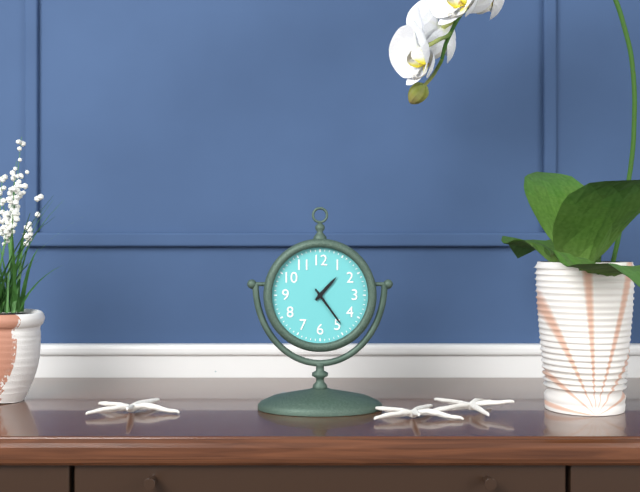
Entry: 1 h 24 min
